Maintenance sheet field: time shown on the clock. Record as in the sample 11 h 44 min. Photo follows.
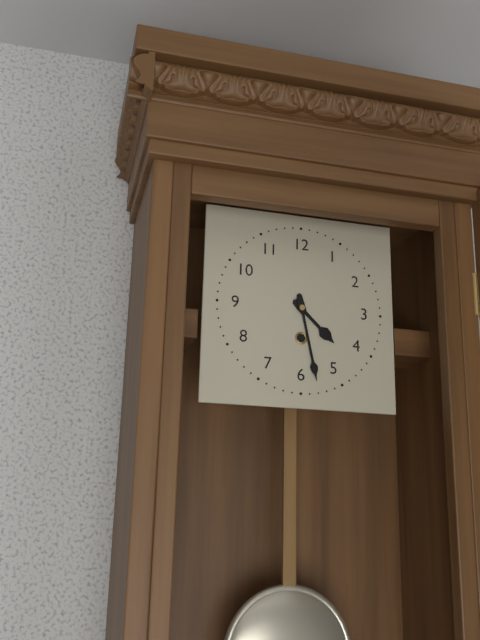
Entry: 4 h 28 min
